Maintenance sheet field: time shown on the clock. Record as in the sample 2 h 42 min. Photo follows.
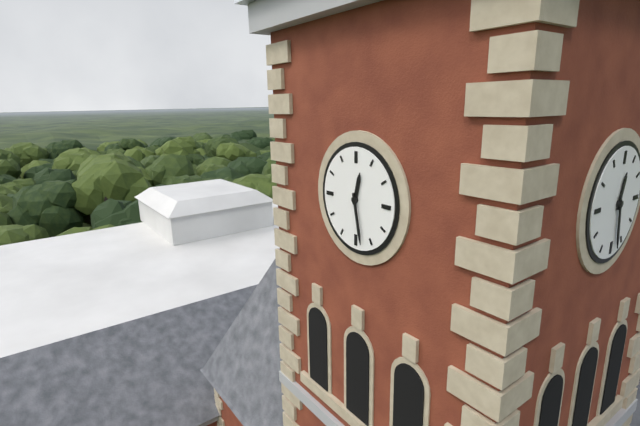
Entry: 12 h 28 min
